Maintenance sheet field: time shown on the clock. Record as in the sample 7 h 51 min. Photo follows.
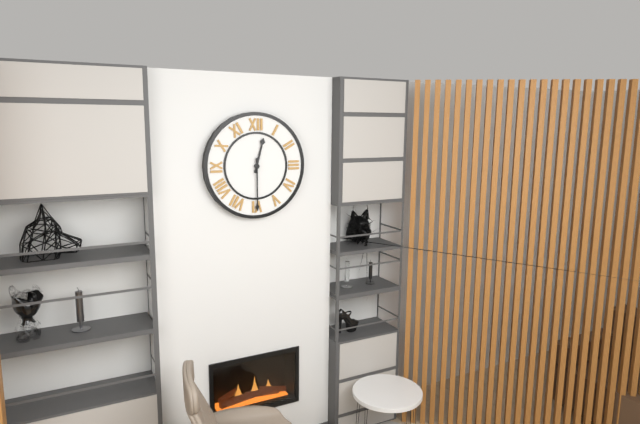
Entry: 12 h 30 min
